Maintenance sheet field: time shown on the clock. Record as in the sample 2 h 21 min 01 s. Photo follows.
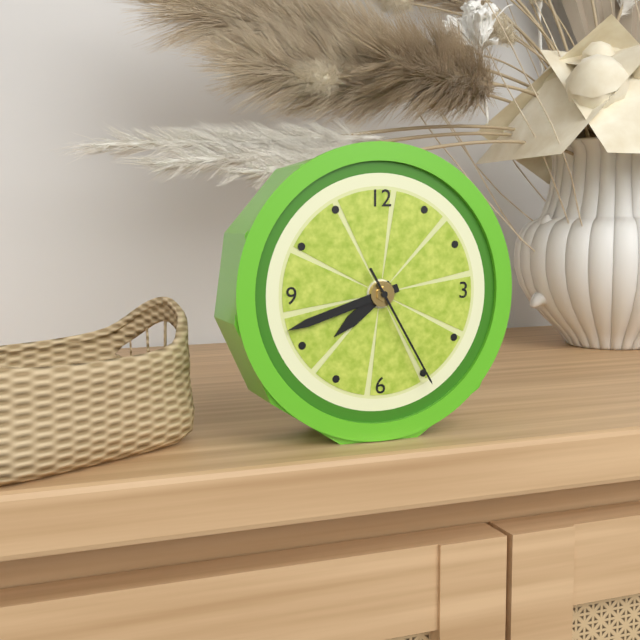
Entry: 7 h 42 min 25 s
